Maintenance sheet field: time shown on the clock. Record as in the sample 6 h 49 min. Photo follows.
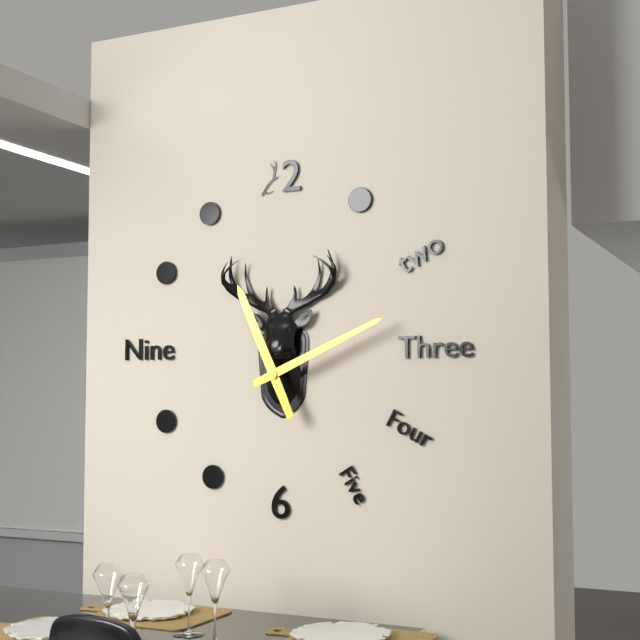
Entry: 11 h 11 min
